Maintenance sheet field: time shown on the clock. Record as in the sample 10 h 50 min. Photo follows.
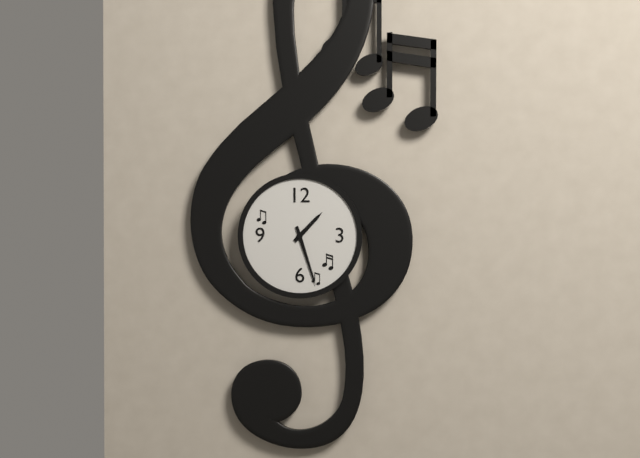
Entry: 1 h 27 min
